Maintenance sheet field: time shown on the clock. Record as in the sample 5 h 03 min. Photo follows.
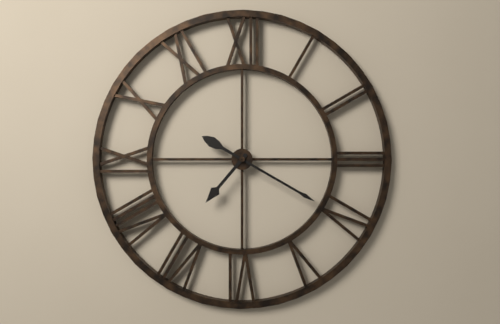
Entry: 7 h 20 min
